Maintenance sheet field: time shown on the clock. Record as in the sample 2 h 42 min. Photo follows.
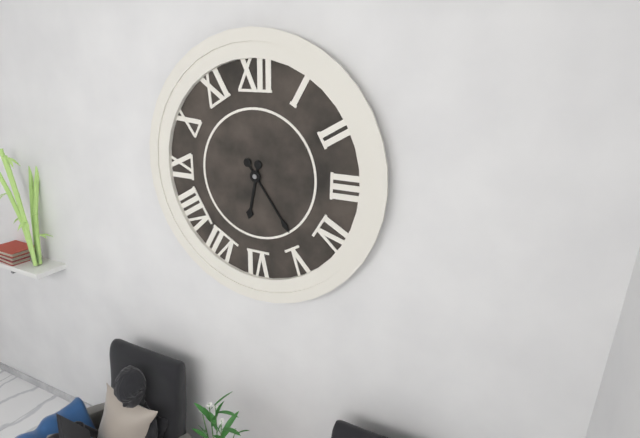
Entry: 6 h 24 min
